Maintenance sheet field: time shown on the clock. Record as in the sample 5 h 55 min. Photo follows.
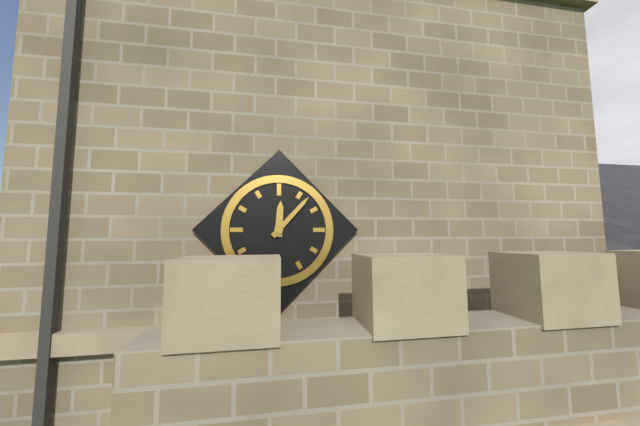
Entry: 12 h 07 min
